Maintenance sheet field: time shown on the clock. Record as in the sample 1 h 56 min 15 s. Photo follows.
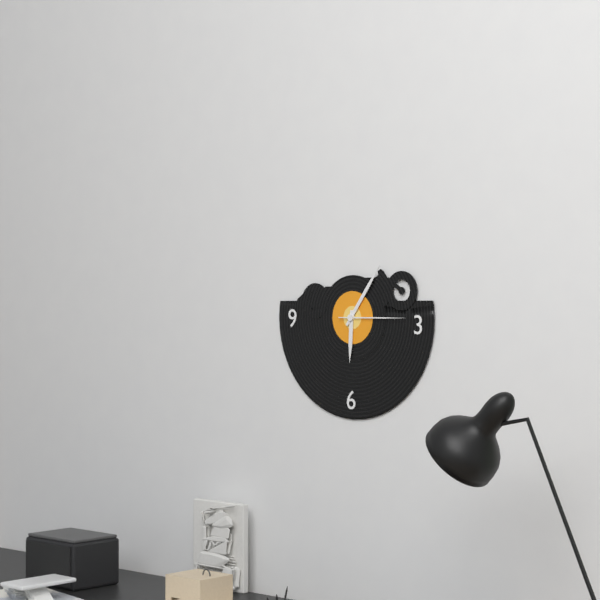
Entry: 6 h 06 min 15 s
